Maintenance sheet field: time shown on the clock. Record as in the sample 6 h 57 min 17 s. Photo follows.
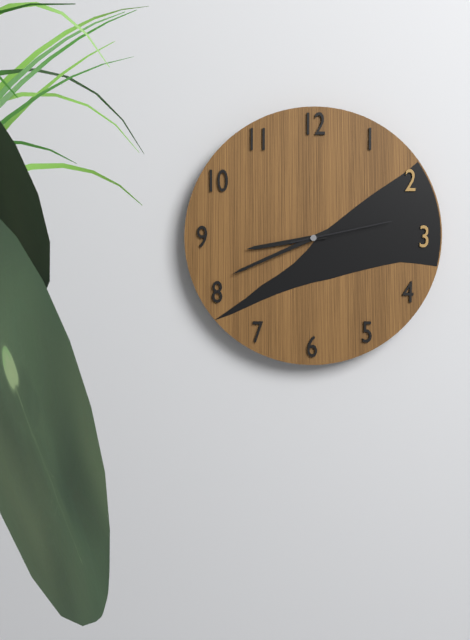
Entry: 8 h 41 min 13 s
